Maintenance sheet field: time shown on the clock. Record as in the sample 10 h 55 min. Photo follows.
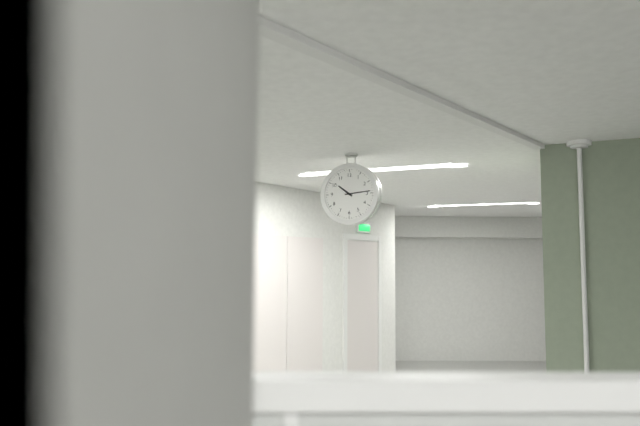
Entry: 10 h 14 min
